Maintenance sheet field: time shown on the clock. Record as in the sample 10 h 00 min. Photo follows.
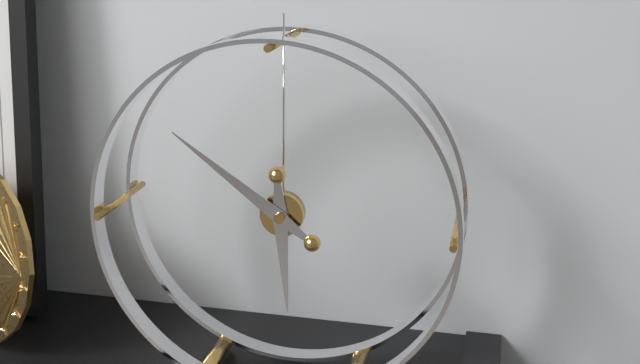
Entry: 5 h 51 min
